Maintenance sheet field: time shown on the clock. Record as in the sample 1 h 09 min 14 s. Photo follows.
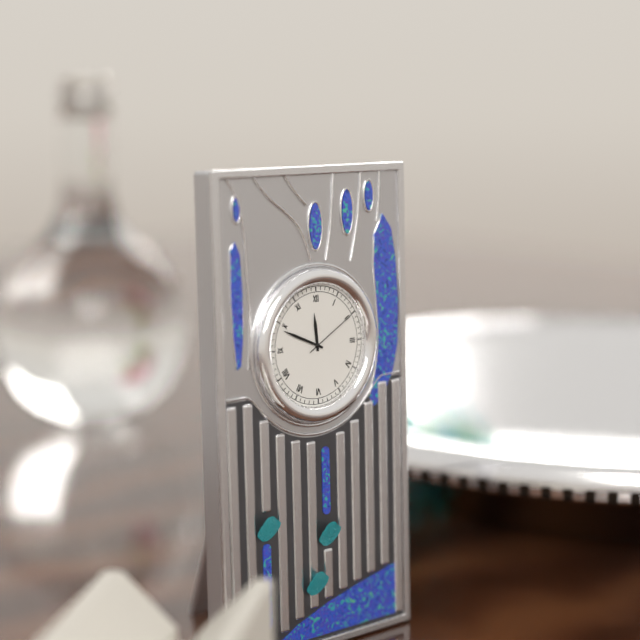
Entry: 11 h 49 min 10 s
